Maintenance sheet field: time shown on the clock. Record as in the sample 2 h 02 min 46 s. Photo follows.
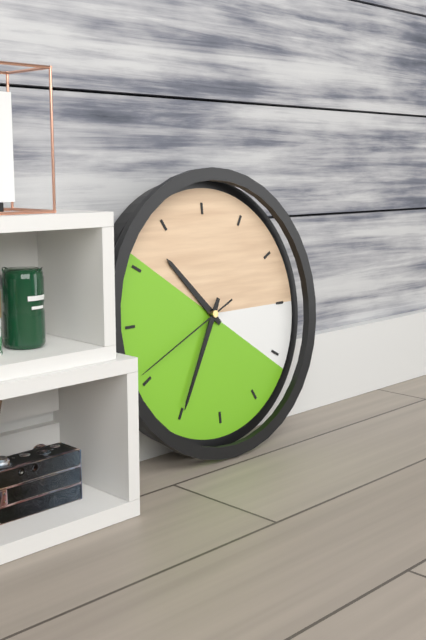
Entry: 10 h 35 min 41 s
